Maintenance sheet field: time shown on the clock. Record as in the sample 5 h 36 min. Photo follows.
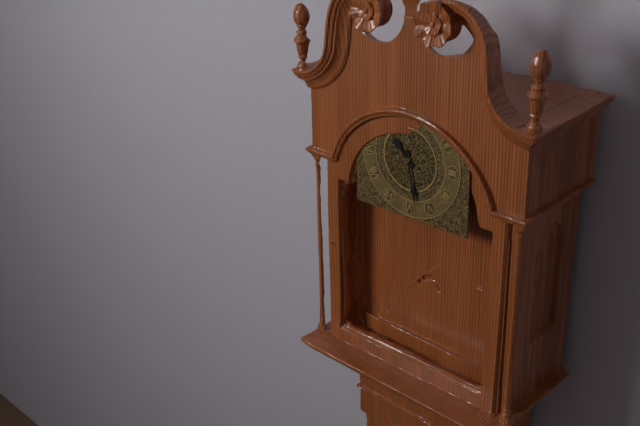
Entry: 10 h 28 min
